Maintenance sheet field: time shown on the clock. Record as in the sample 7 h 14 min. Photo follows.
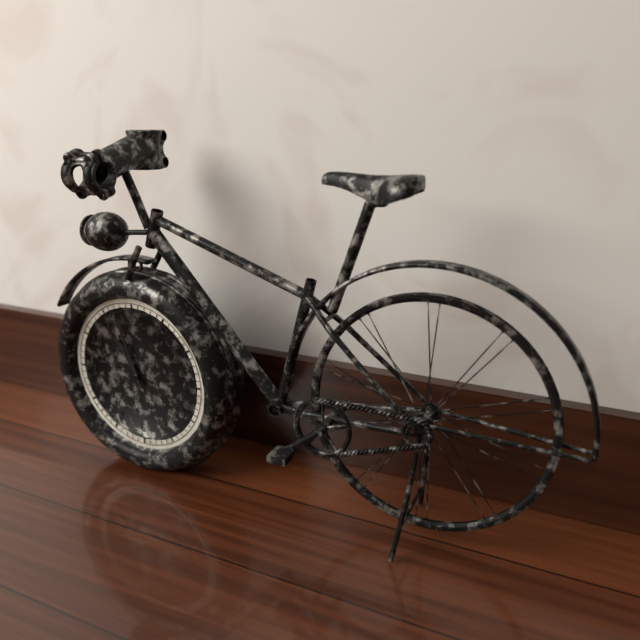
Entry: 10 h 57 min
